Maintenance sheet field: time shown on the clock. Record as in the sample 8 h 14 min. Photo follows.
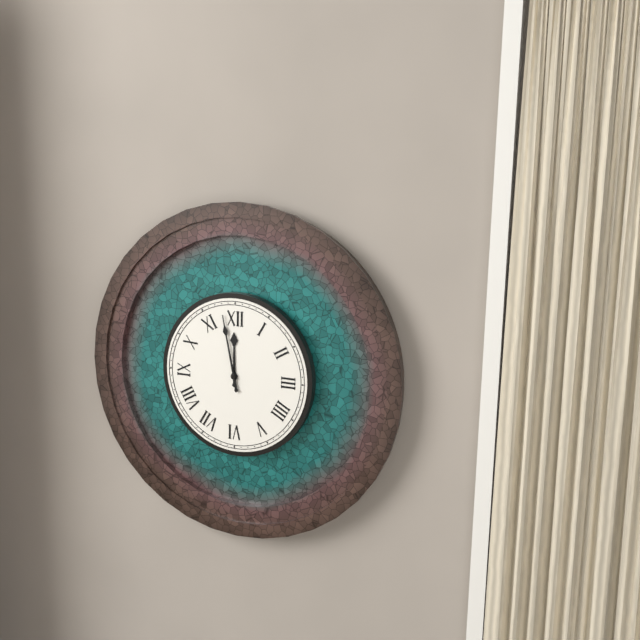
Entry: 11 h 58 min
